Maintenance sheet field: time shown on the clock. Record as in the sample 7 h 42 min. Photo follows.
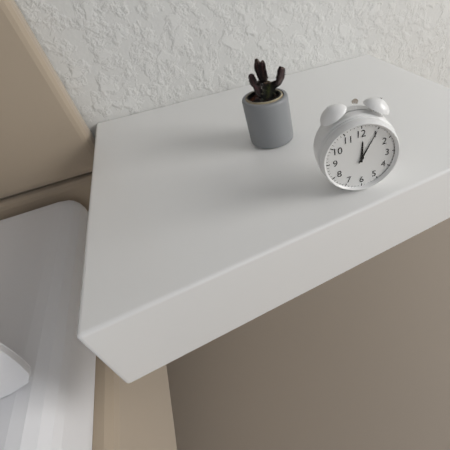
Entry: 12 h 05 min
